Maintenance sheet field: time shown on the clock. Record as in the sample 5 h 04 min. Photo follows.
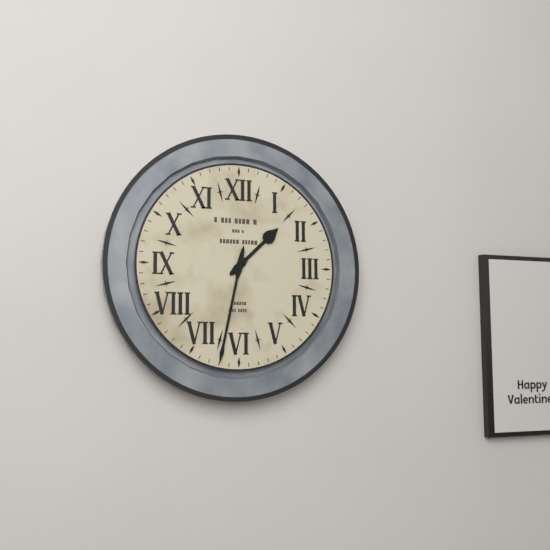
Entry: 1 h 32 min
